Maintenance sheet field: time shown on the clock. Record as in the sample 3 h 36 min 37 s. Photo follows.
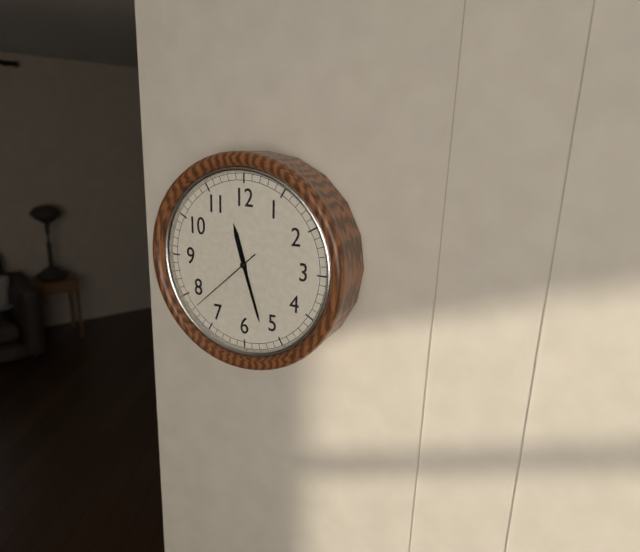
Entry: 11 h 27 min 38 s
